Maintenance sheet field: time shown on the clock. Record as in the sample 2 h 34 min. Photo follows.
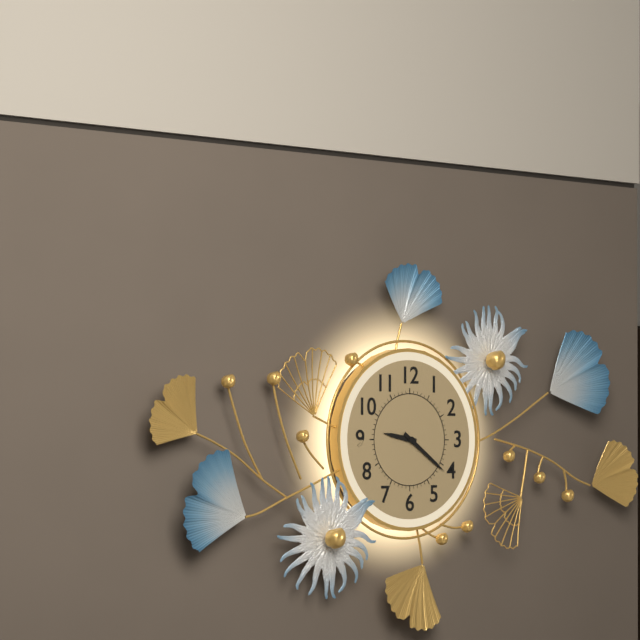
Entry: 9 h 21 min
